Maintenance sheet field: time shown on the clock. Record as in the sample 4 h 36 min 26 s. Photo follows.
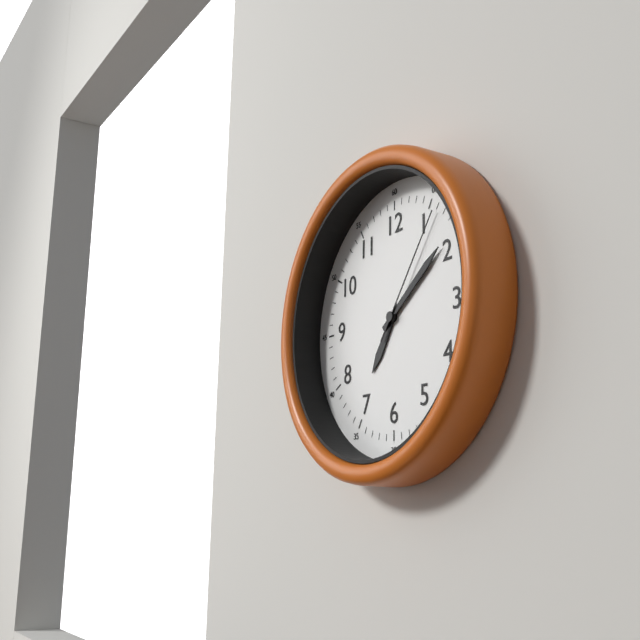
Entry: 7 h 09 min 06 s
